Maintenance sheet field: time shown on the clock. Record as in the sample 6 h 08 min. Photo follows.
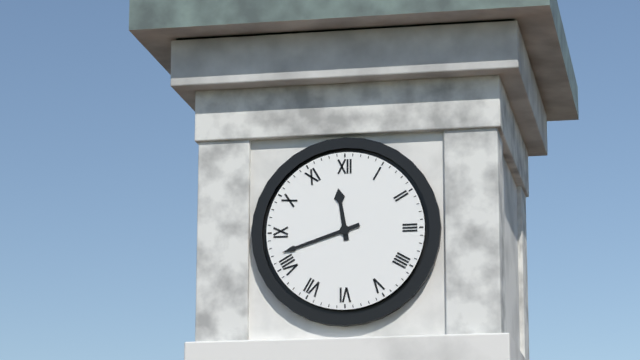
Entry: 11 h 42 min
